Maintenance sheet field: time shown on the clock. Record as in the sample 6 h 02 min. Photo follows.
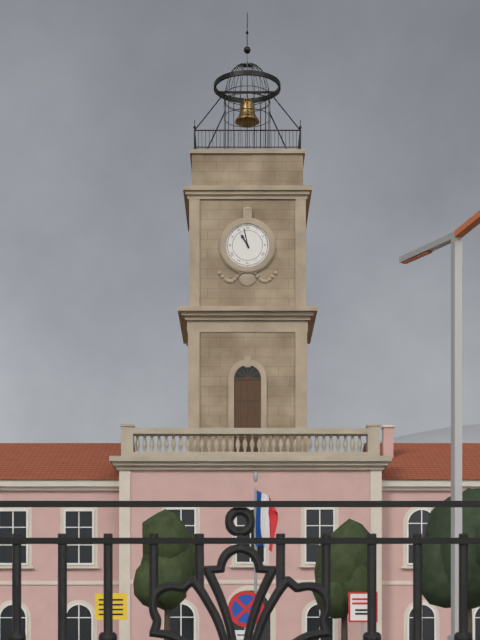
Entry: 10 h 58 min
